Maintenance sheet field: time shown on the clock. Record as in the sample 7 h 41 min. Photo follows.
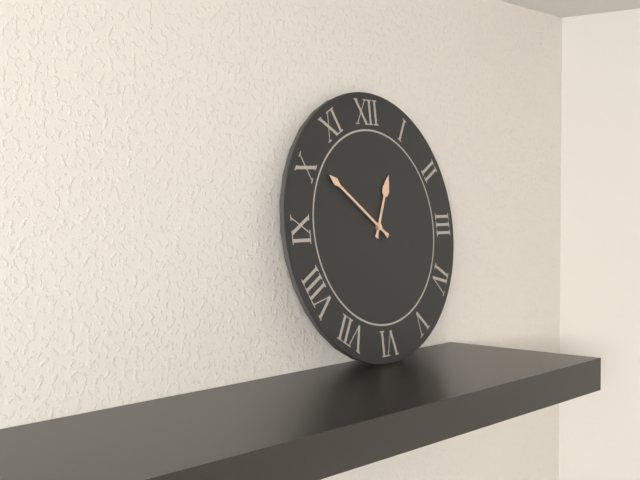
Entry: 12 h 51 min
